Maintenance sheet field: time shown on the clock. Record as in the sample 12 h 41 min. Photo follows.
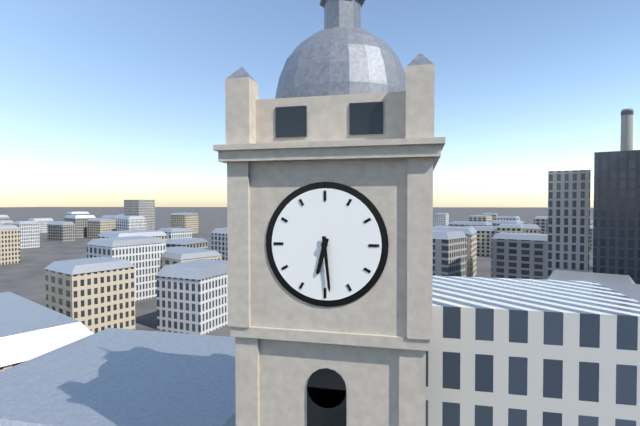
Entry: 6 h 29 min
